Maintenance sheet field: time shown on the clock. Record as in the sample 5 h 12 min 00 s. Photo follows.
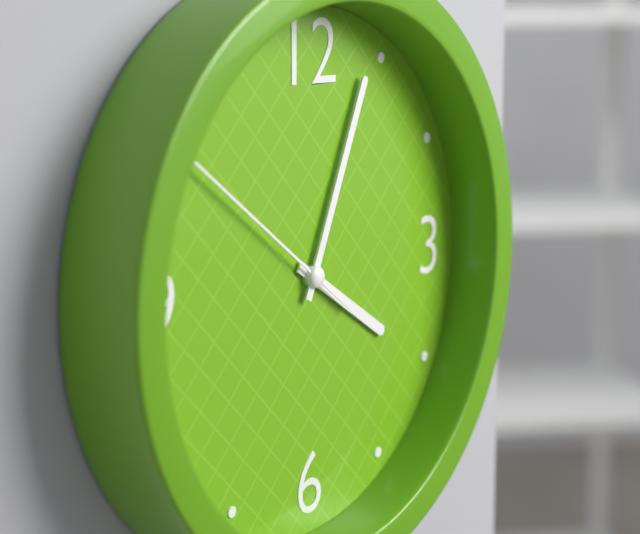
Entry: 4 h 04 min 51 s
